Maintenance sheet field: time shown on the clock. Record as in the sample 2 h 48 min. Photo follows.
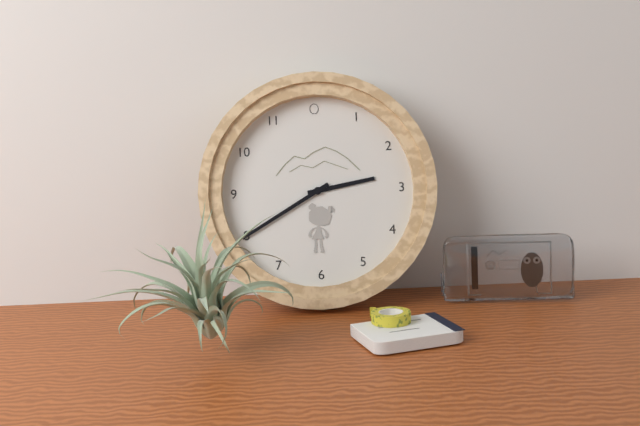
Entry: 2 h 40 min
